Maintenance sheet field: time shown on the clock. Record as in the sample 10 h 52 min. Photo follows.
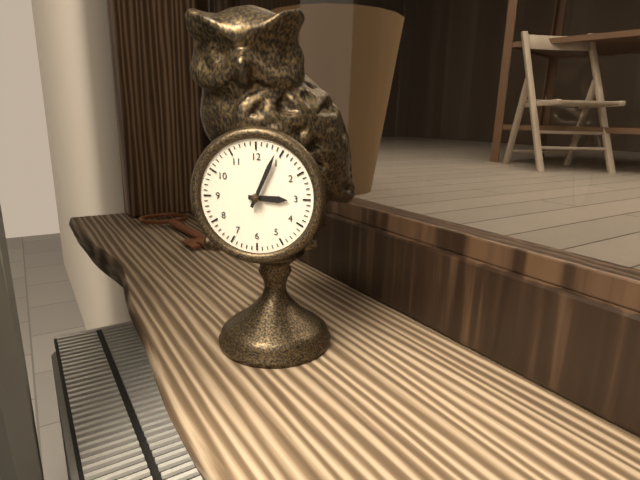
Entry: 3 h 04 min
